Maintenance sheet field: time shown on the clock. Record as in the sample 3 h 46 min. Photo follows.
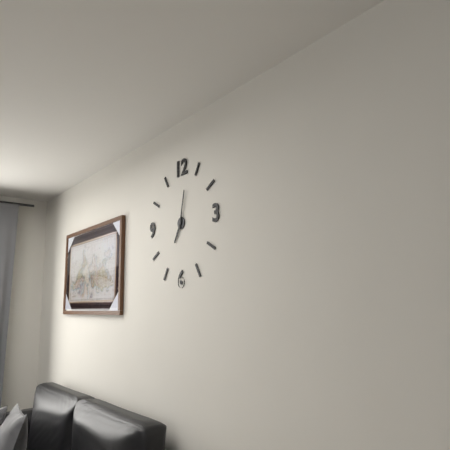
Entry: 7 h 02 min
